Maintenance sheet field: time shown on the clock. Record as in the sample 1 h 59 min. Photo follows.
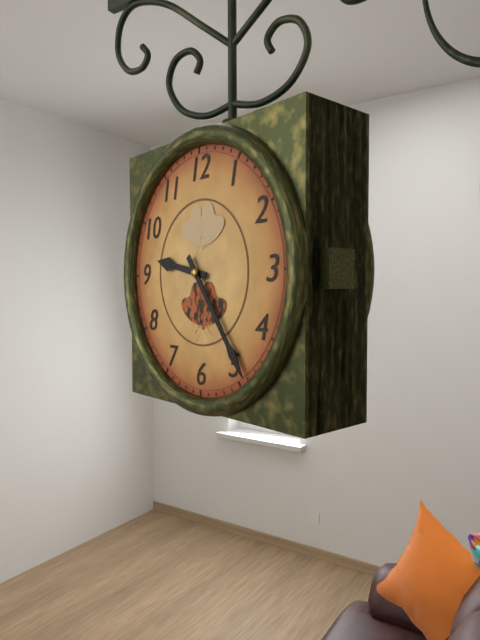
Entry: 9 h 24 min
